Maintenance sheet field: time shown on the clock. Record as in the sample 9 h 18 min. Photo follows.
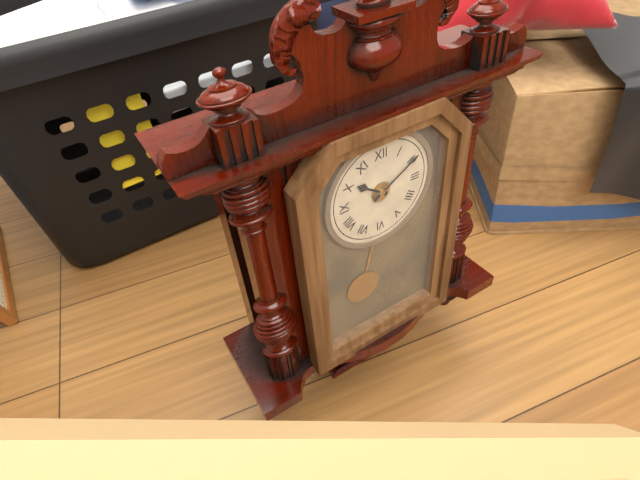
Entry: 10 h 10 min
